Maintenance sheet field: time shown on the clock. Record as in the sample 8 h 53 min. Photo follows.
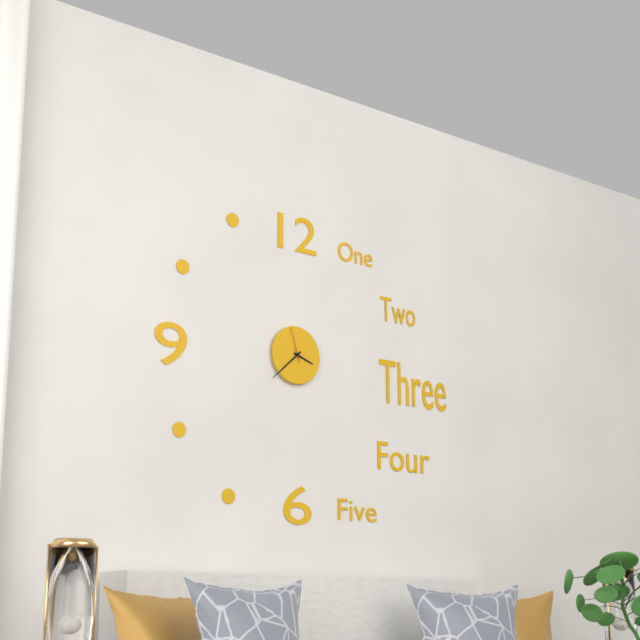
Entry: 3 h 38 min
